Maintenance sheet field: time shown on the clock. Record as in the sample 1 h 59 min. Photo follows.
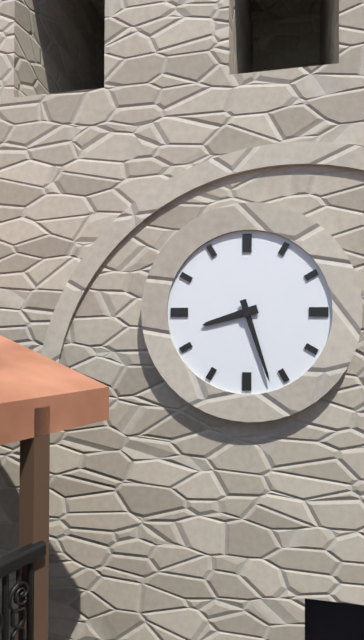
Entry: 8 h 27 min
